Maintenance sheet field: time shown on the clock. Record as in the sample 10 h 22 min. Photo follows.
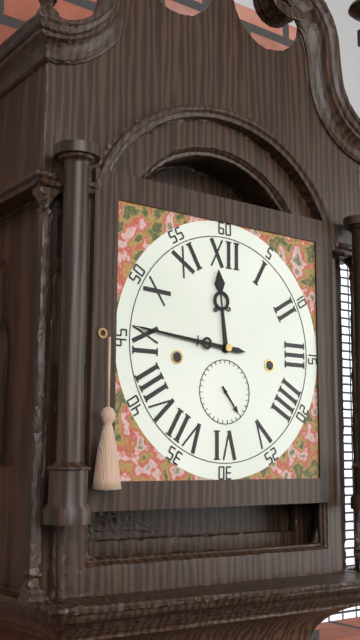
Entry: 11 h 46 min
